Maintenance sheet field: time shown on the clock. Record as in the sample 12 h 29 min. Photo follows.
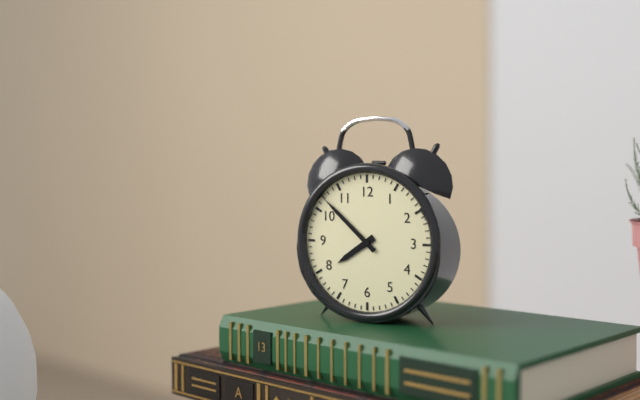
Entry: 7 h 52 min
